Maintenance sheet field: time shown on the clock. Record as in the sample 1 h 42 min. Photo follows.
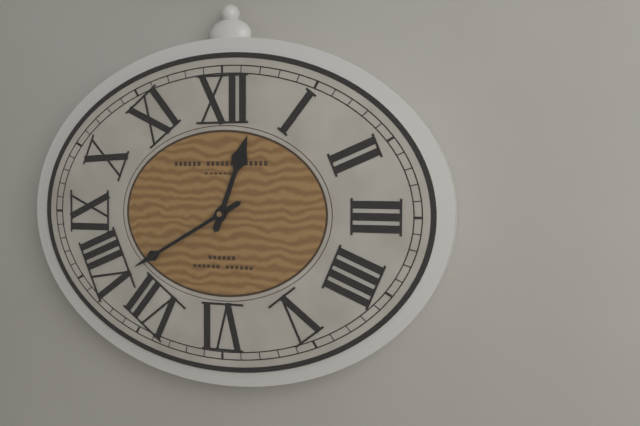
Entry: 12 h 40 min
